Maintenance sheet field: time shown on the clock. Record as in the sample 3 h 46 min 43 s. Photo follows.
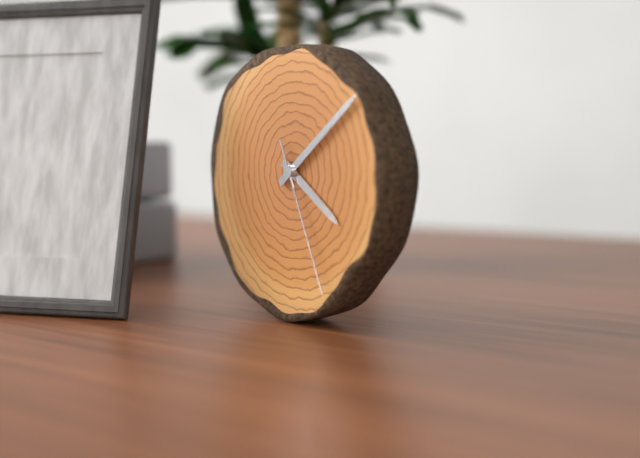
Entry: 4 h 09 min 26 s
